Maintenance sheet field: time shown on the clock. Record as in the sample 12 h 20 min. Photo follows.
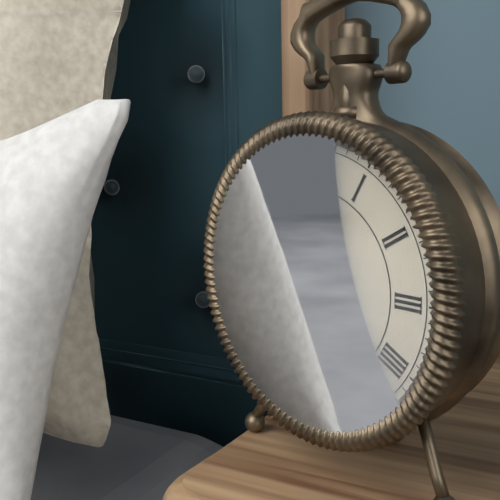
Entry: 10 h 22 min
